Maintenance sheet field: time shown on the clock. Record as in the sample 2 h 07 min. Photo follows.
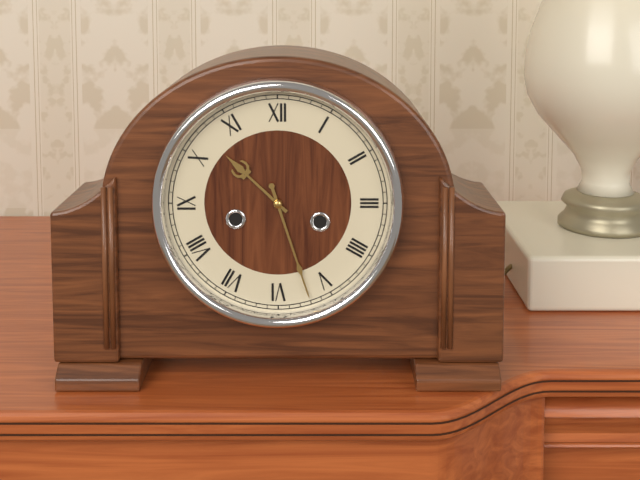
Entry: 10 h 27 min
